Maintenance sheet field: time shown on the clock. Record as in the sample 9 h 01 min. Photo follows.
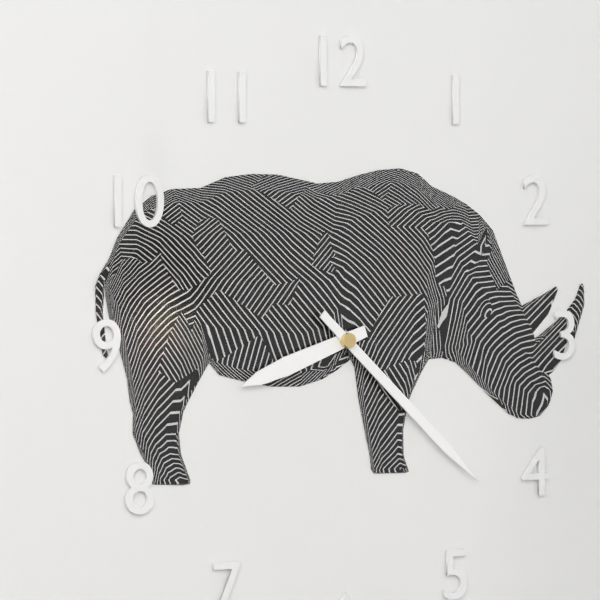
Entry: 8 h 22 min
